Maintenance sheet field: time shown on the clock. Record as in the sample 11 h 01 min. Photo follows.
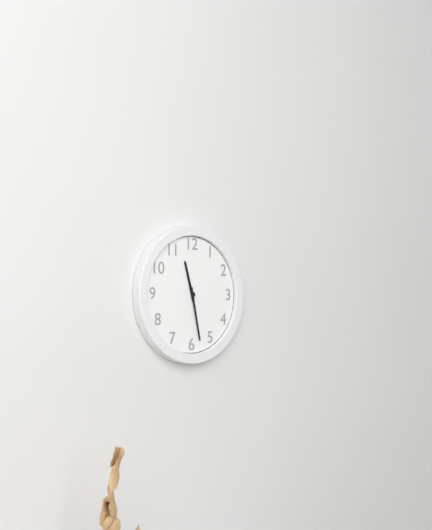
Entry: 11 h 28 min
